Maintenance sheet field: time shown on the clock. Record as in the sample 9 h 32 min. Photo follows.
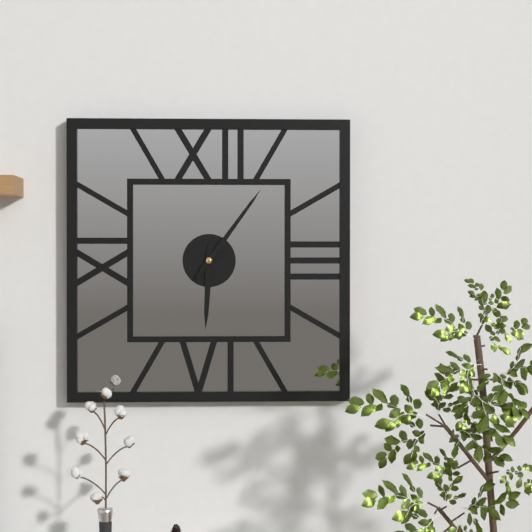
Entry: 6 h 06 min
